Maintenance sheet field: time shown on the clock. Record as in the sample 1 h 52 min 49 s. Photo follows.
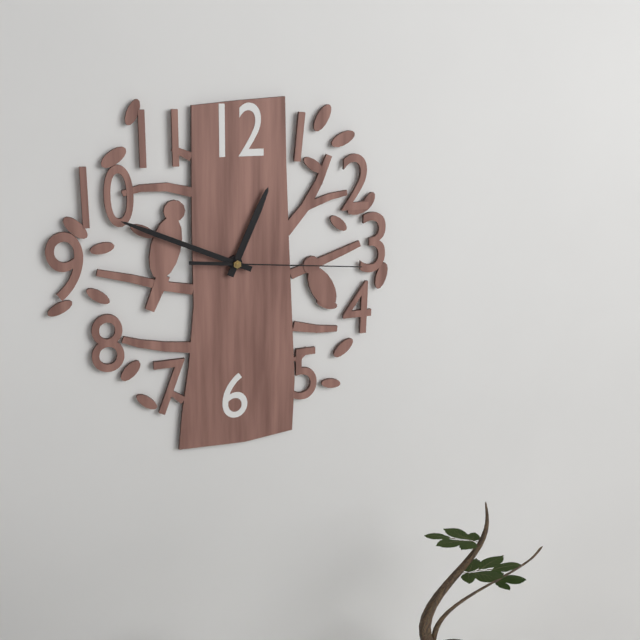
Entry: 12 h 49 min 16 s
